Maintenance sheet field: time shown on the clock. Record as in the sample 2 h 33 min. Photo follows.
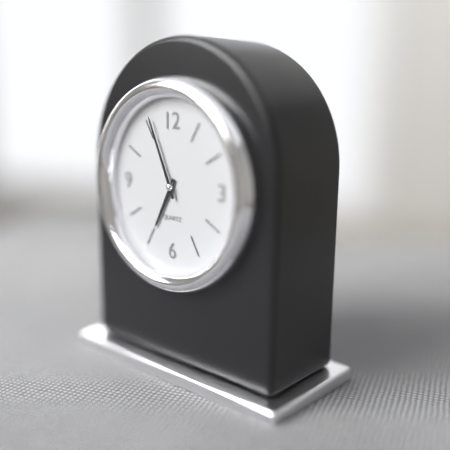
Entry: 6 h 56 min
